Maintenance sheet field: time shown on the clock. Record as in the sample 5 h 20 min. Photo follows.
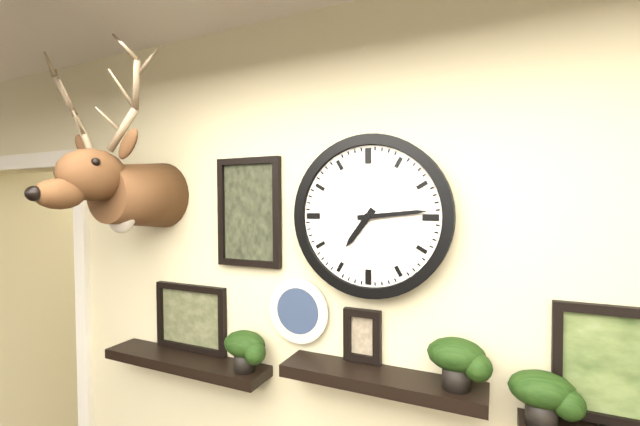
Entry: 7 h 14 min
